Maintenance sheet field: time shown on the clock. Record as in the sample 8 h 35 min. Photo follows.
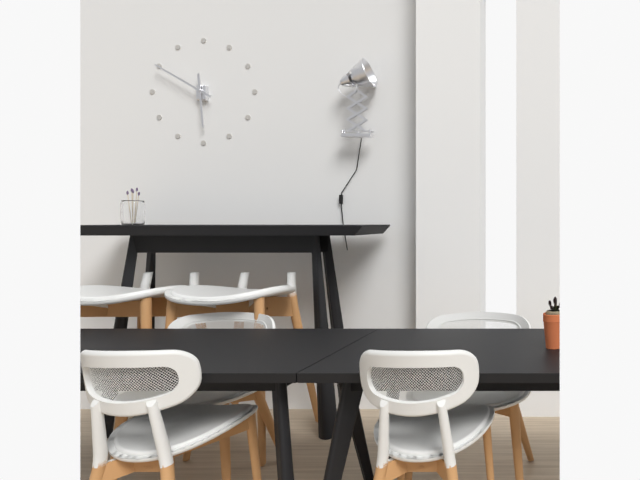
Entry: 5 h 50 min
